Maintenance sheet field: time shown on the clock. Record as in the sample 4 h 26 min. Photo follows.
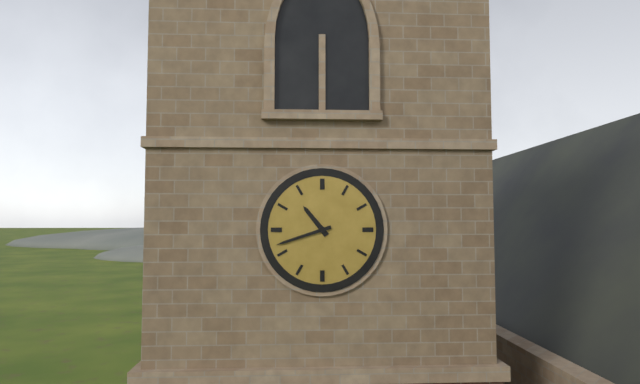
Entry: 10 h 42 min
